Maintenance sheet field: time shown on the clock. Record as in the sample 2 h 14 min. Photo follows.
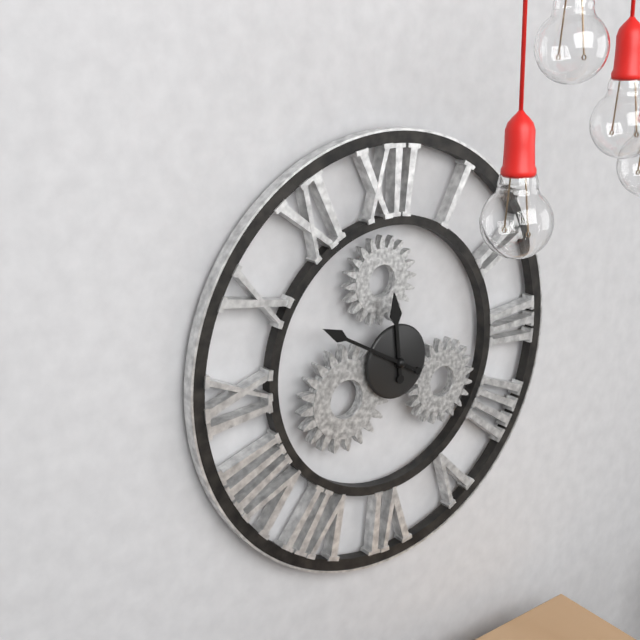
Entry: 11 h 50 min
